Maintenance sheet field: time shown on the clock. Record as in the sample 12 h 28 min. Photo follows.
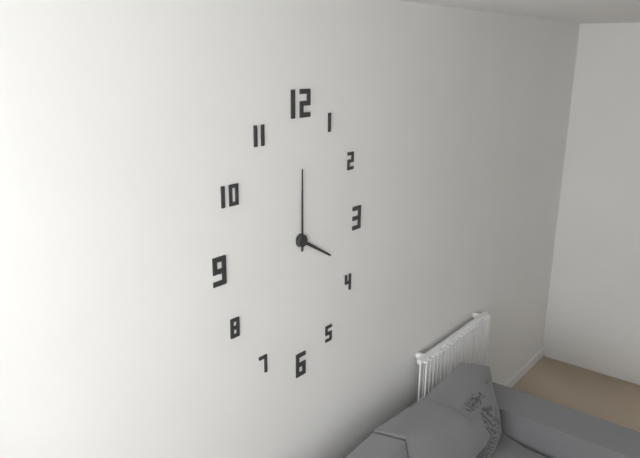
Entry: 4 h 00 min
